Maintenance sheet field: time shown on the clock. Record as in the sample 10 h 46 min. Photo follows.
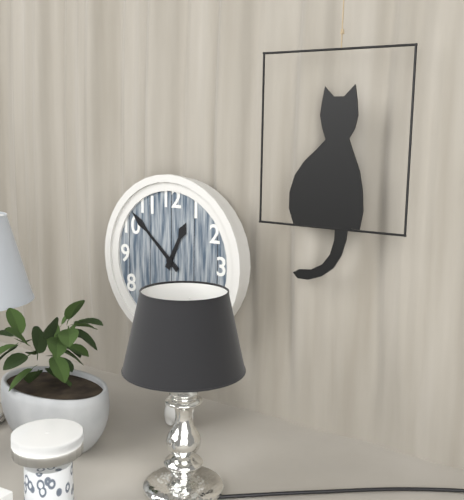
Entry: 12 h 52 min
